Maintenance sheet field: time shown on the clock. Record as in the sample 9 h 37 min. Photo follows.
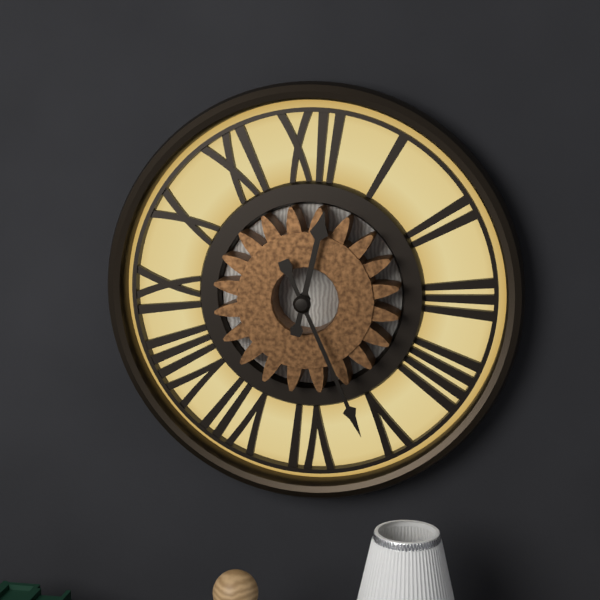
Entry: 12 h 26 min
